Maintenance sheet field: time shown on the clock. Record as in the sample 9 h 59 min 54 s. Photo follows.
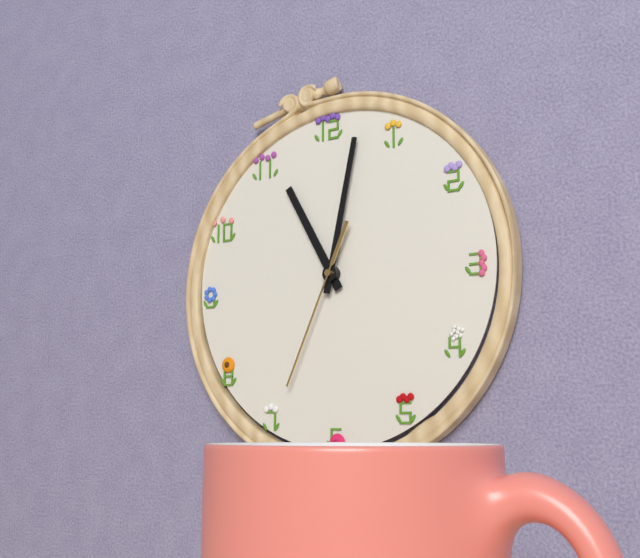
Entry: 11 h 02 min 34 s
